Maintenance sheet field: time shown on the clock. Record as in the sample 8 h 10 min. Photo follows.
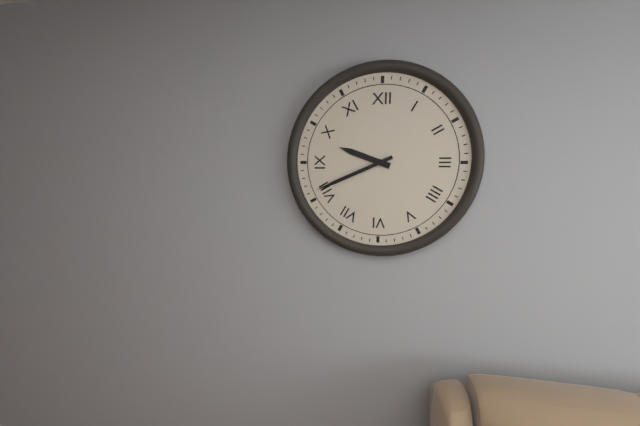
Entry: 9 h 41 min
